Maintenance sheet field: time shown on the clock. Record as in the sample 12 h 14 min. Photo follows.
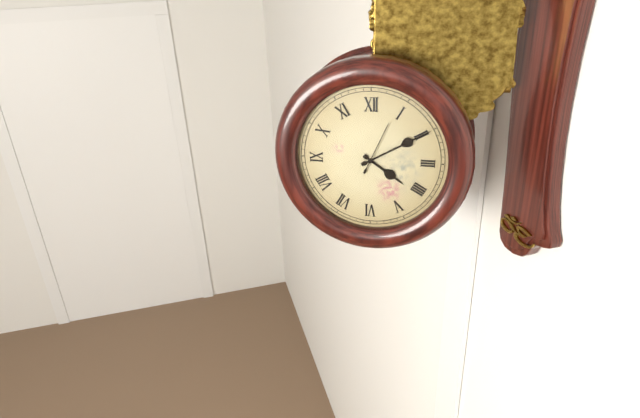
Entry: 4 h 10 min
